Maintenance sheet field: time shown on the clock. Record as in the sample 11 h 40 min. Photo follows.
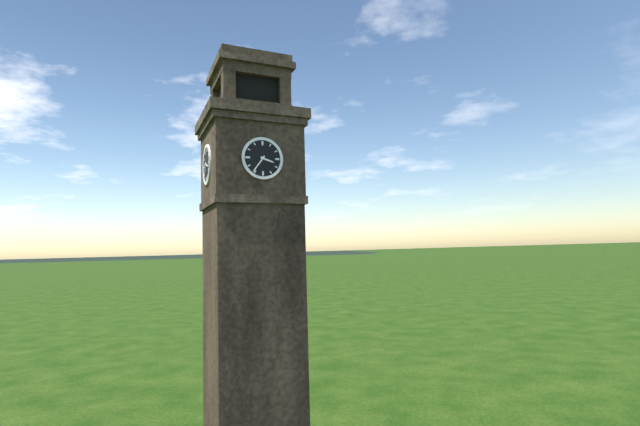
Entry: 3 h 36 min
